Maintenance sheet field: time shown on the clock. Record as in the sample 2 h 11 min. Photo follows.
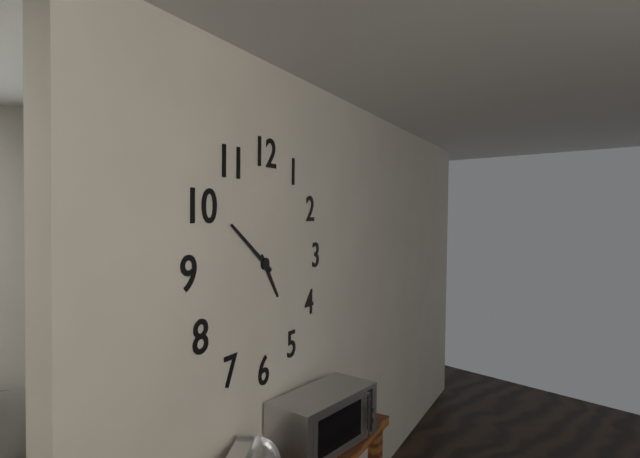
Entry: 4 h 51 min
